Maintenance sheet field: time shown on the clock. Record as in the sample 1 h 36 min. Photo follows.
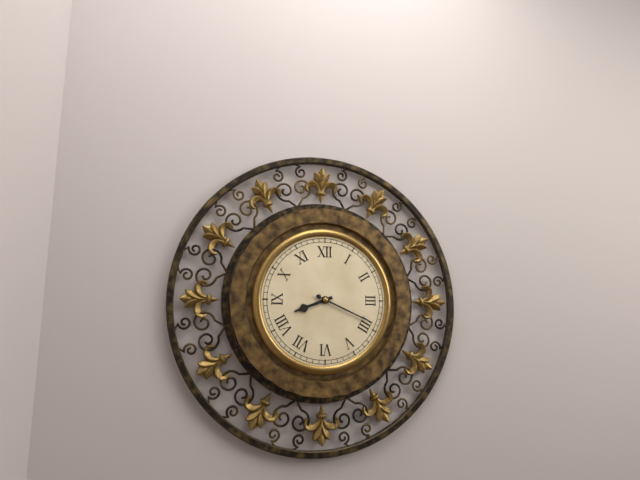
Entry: 8 h 19 min
